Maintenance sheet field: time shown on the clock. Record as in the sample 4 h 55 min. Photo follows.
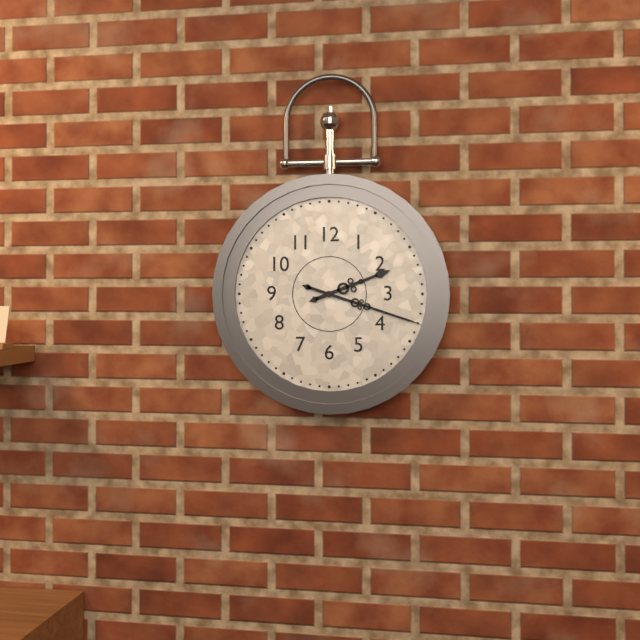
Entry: 2 h 18 min
